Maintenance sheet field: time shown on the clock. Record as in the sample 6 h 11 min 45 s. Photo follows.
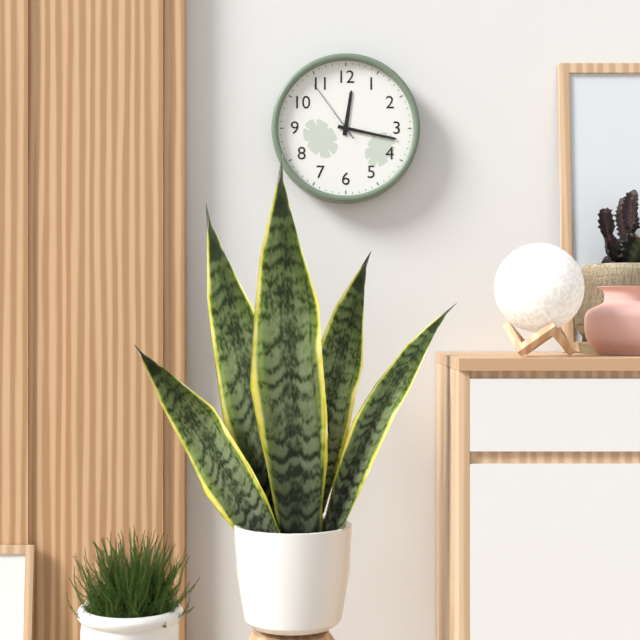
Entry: 12 h 17 min 54 s
